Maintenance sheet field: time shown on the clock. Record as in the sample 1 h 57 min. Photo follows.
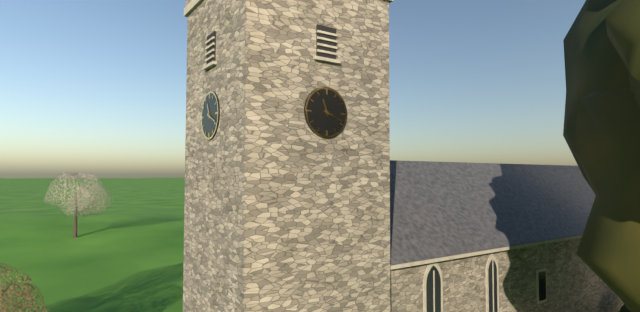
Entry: 11 h 19 min
